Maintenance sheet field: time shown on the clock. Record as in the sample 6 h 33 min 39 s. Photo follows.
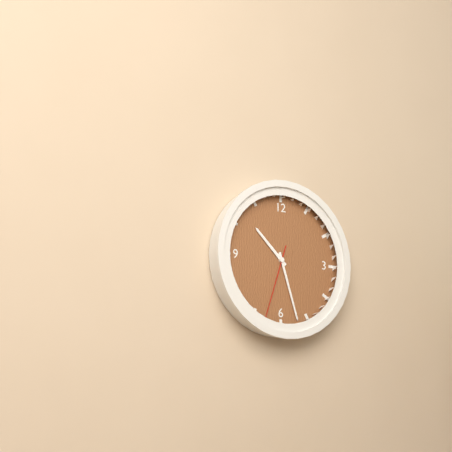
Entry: 10 h 27 min 33 s
